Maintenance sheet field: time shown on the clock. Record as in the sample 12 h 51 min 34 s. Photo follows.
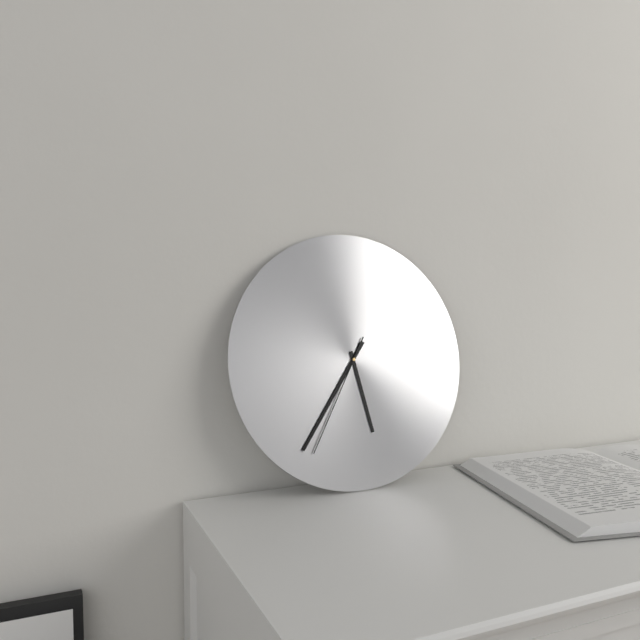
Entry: 5 h 36 min 35 s
